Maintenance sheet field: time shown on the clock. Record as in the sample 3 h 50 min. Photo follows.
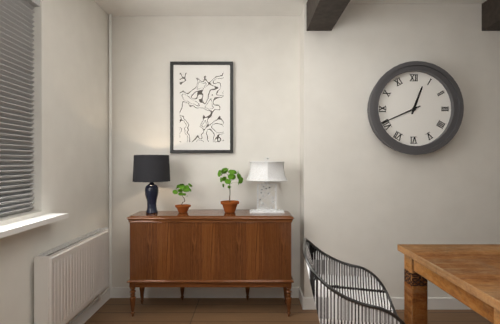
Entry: 12 h 41 min
